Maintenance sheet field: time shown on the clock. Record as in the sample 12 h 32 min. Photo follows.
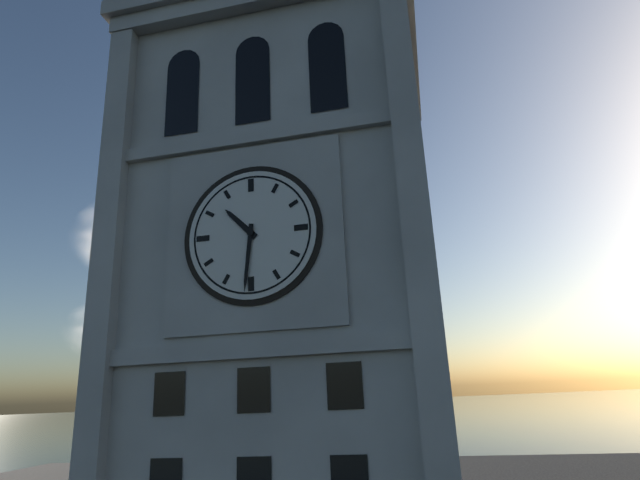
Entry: 10 h 31 min
